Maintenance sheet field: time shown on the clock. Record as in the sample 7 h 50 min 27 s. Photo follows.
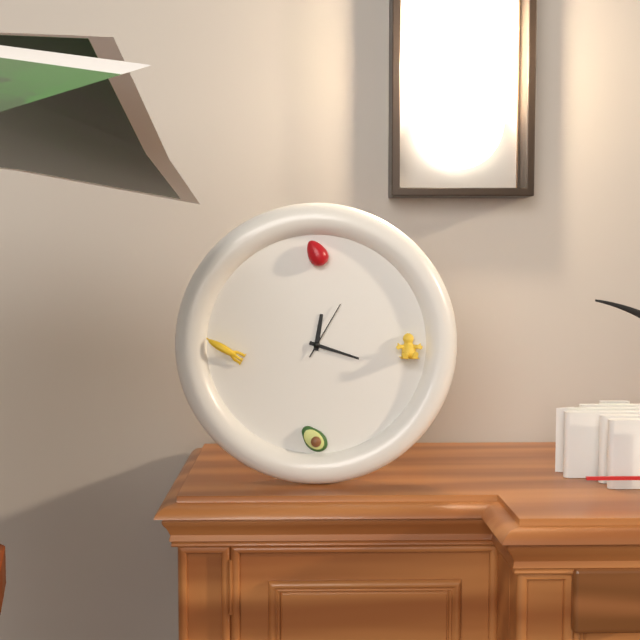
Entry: 12 h 18 min 05 s
